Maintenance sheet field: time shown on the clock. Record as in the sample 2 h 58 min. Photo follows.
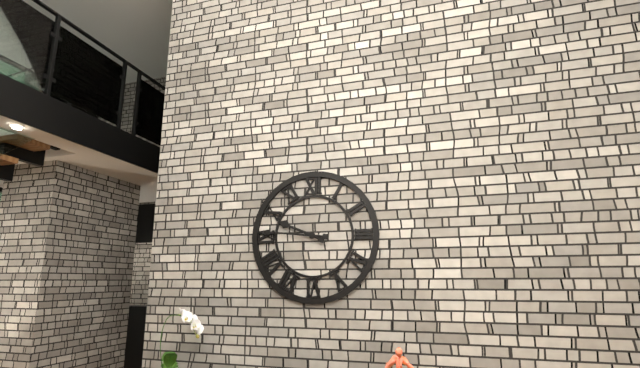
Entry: 9 h 46 min
